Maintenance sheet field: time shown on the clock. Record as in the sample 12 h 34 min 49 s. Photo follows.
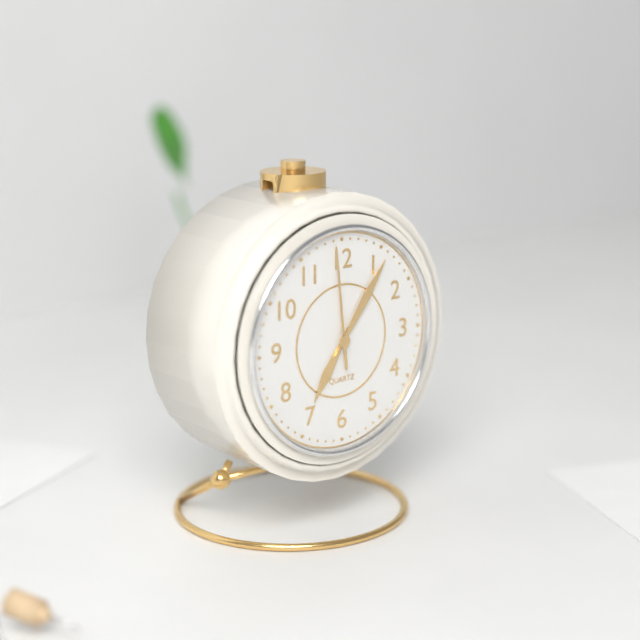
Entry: 7 h 06 min 59 s
